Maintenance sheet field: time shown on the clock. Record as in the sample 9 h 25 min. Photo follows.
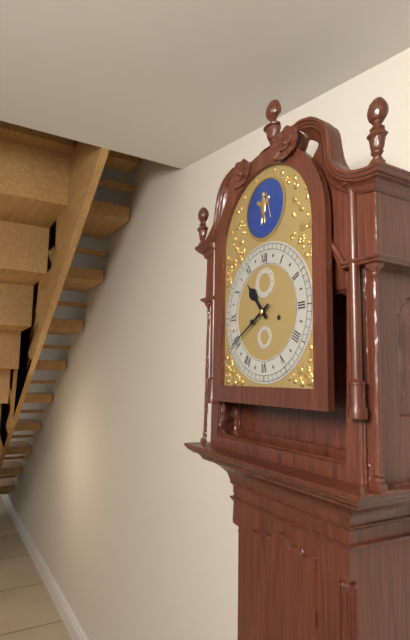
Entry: 10 h 40 min
